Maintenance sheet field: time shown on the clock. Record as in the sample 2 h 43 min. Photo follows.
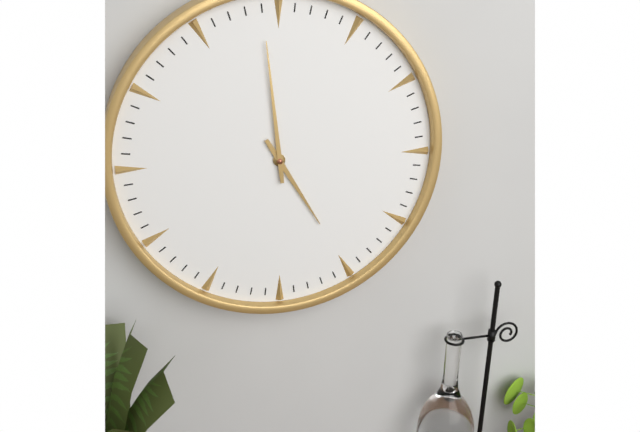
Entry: 4 h 59 min
